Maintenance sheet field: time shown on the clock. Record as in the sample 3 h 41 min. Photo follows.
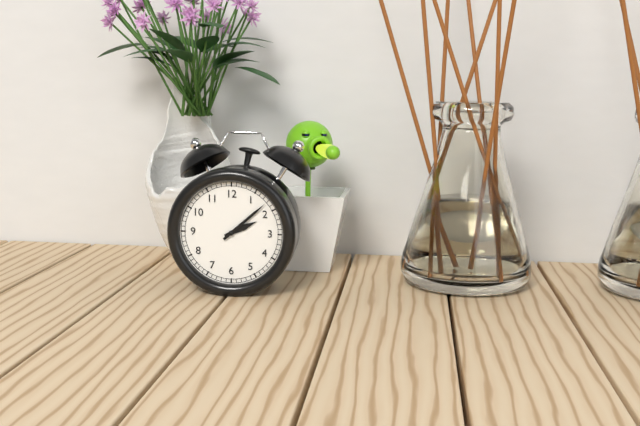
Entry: 2 h 08 min
